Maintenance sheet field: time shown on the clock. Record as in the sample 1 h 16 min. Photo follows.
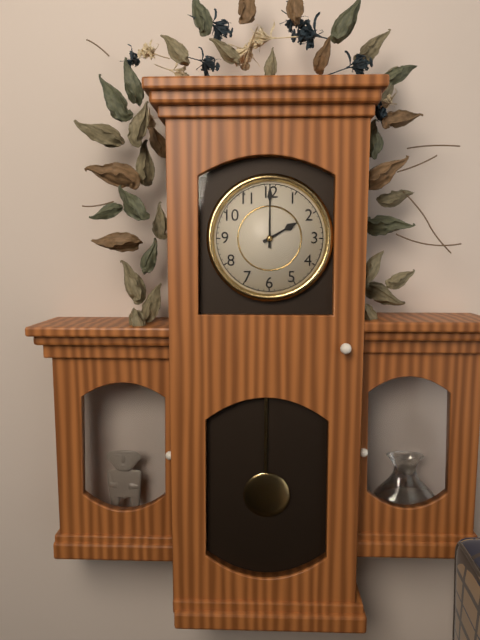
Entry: 2 h 00 min
